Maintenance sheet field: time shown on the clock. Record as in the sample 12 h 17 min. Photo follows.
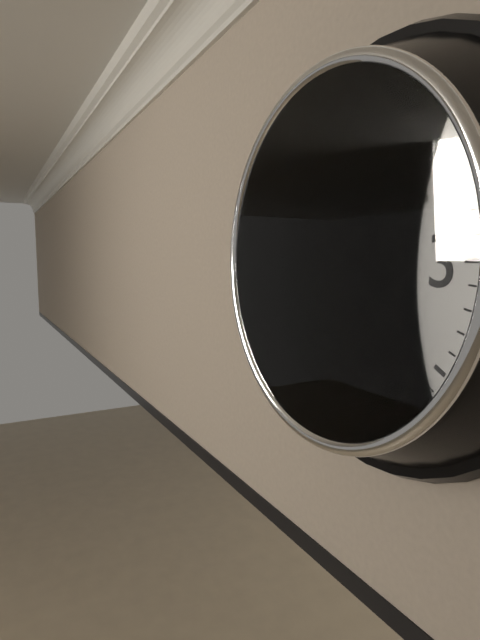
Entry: 2 h 40 min
